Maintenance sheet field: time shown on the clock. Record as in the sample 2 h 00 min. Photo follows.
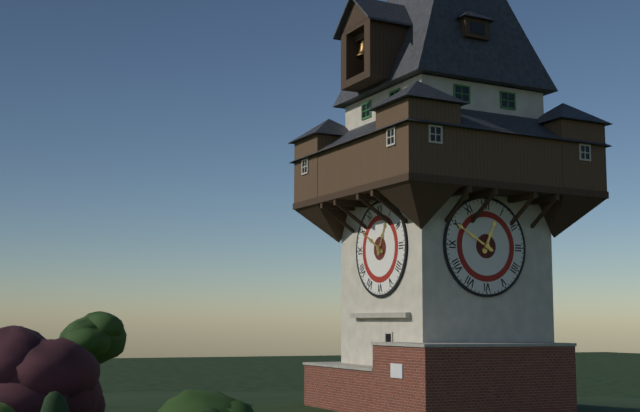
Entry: 12 h 50 min
